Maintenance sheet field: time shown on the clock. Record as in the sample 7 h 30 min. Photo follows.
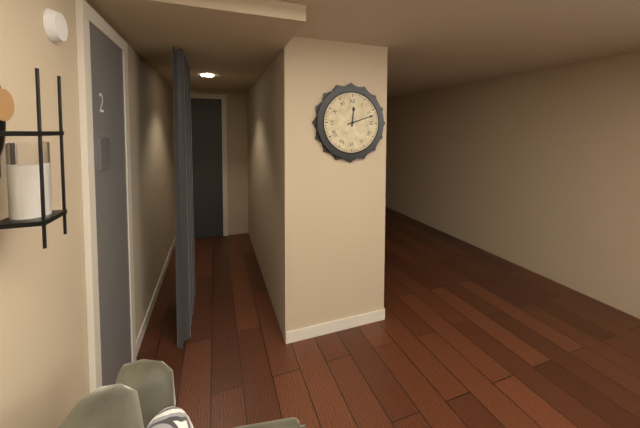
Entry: 12 h 12 min
